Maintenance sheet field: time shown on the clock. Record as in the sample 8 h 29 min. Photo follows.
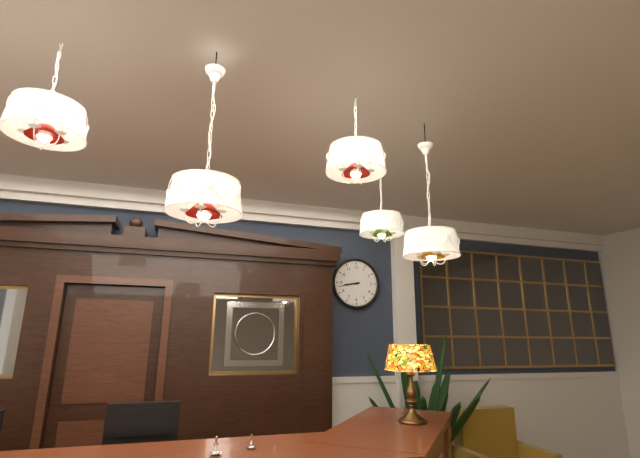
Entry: 8 h 43 min
